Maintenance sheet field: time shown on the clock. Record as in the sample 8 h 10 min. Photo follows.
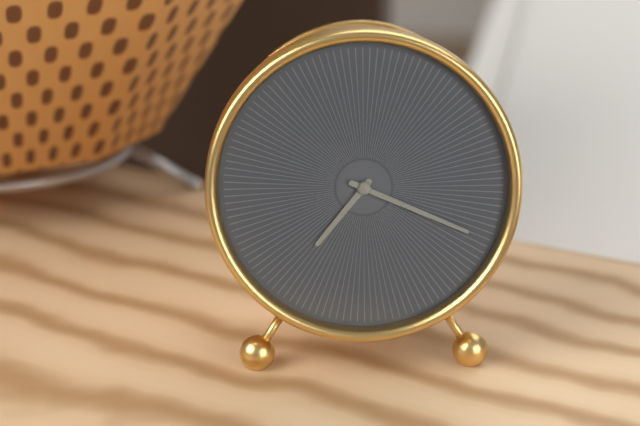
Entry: 7 h 19 min
